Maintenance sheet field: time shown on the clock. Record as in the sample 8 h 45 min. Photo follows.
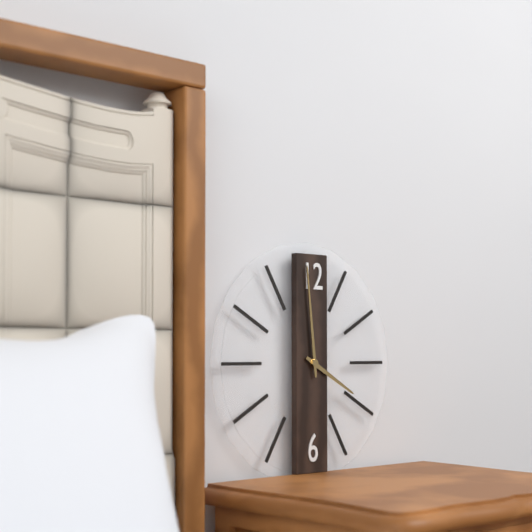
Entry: 3 h 59 min
